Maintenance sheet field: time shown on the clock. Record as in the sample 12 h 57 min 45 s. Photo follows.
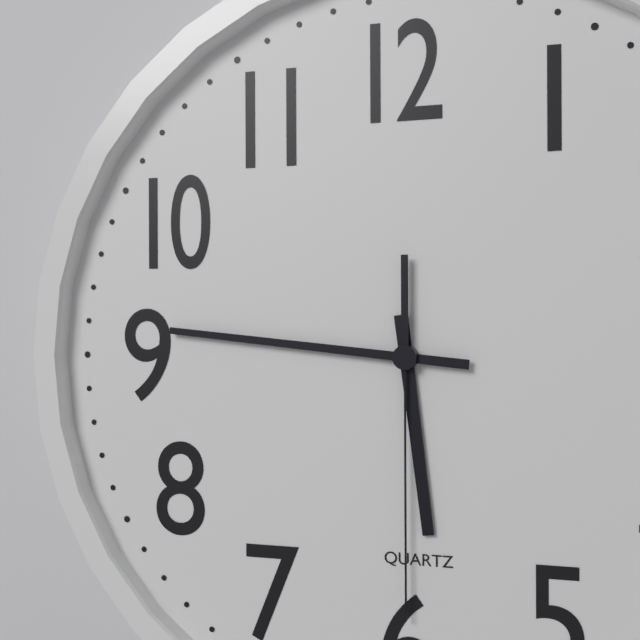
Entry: 5 h 46 min 30 s
